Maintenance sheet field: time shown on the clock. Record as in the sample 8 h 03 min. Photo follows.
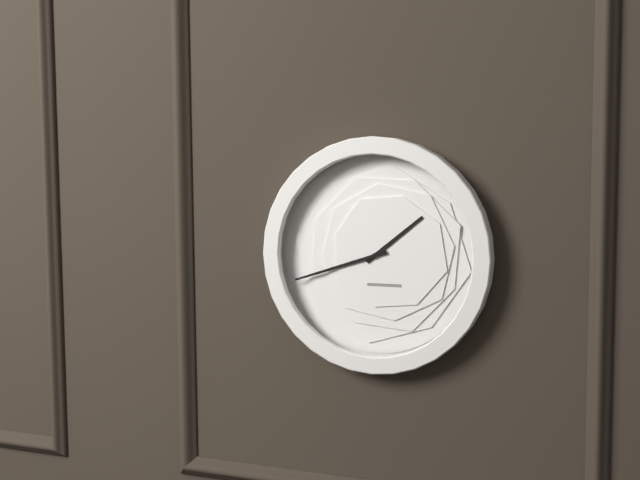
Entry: 1 h 42 min
